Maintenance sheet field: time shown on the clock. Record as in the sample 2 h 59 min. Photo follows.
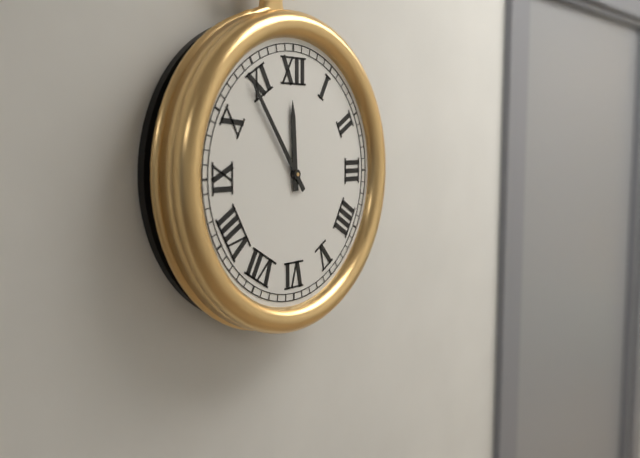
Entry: 11 h 54 min
